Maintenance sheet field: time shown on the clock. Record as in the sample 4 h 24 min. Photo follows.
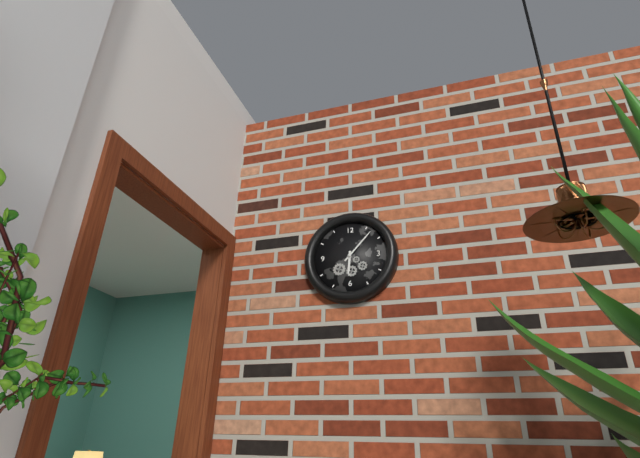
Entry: 6 h 07 min
